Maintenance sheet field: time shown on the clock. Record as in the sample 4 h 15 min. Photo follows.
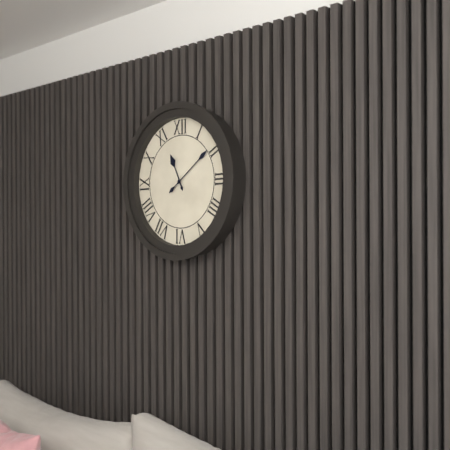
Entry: 11 h 09 min
